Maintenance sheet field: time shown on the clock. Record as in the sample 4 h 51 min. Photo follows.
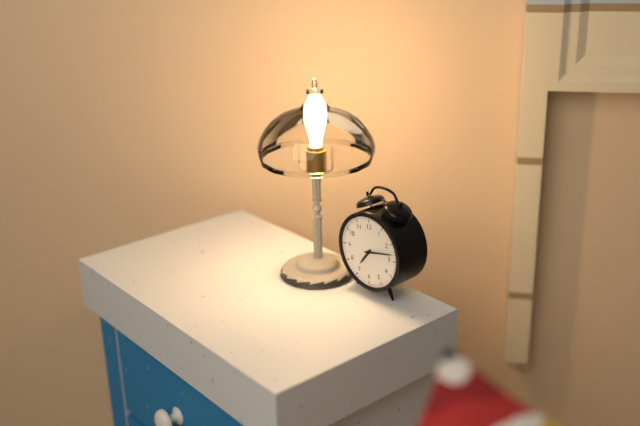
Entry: 7 h 13 min
